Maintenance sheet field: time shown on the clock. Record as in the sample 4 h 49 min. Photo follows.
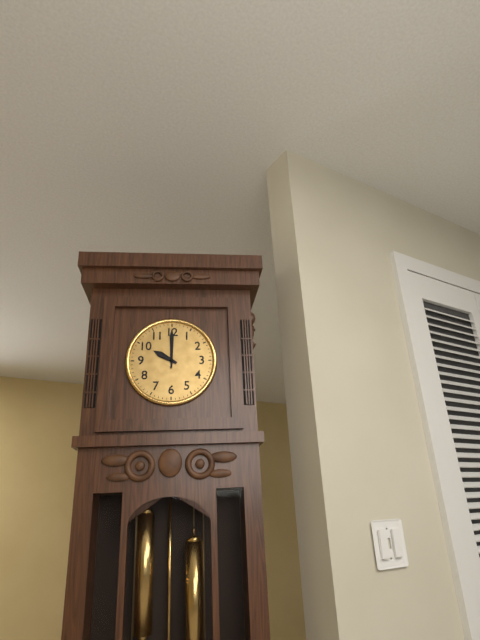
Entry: 10 h 00 min
